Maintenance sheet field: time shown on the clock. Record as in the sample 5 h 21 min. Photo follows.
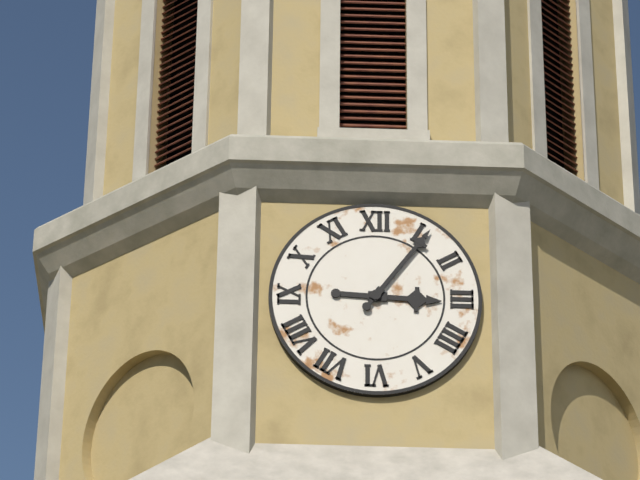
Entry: 3 h 06 min
